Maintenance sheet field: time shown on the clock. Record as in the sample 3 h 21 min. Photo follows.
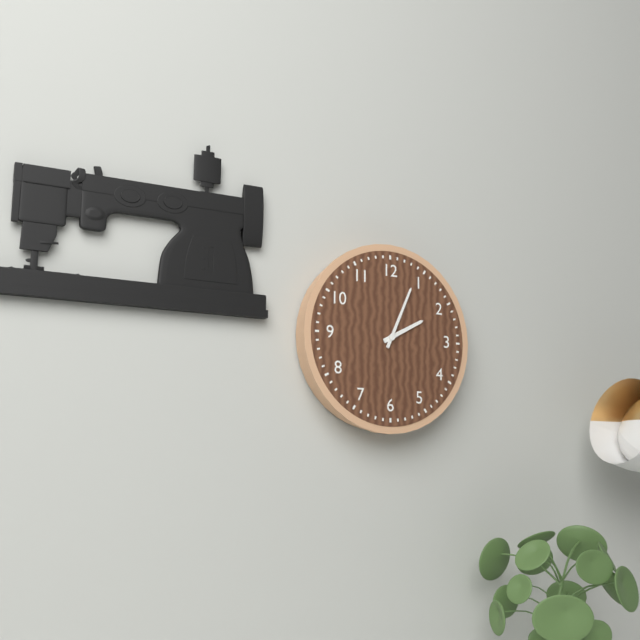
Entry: 2 h 04 min
